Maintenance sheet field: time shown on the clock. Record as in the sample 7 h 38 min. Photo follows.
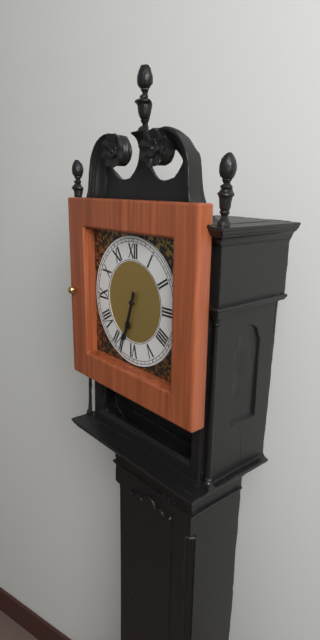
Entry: 6 h 33 min
